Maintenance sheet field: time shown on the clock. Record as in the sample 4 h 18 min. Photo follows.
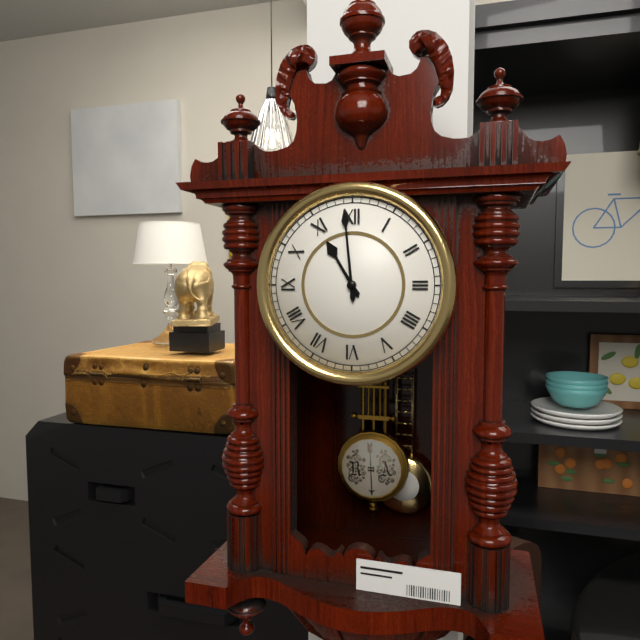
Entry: 10 h 59 min
